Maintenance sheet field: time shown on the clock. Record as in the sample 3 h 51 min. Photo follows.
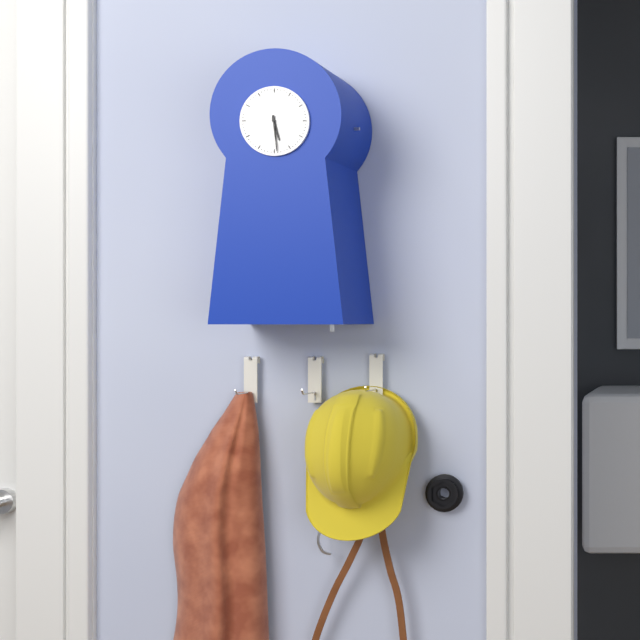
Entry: 5 h 29 min
